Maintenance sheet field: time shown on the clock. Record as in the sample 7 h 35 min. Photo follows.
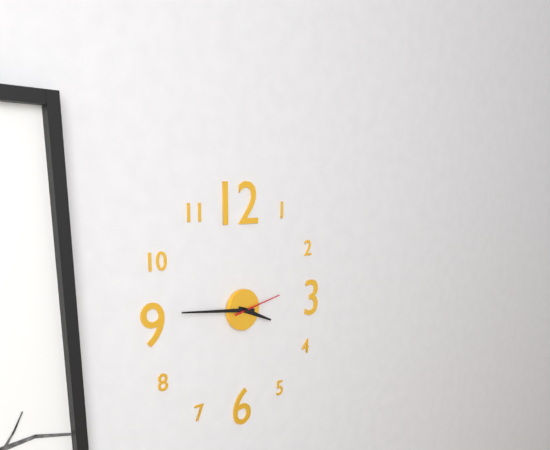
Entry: 3 h 46 min
